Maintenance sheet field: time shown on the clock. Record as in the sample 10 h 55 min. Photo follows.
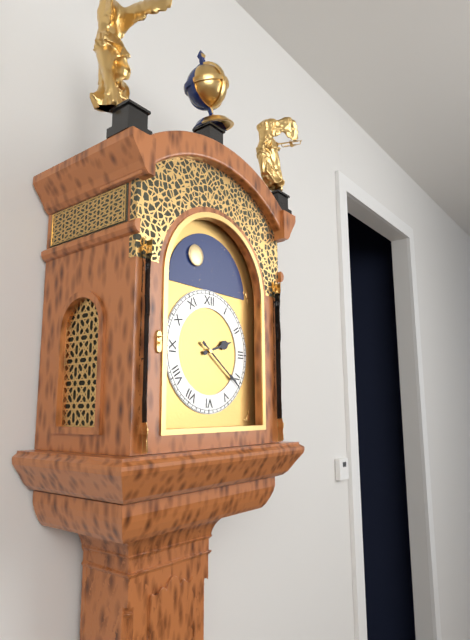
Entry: 2 h 21 min
